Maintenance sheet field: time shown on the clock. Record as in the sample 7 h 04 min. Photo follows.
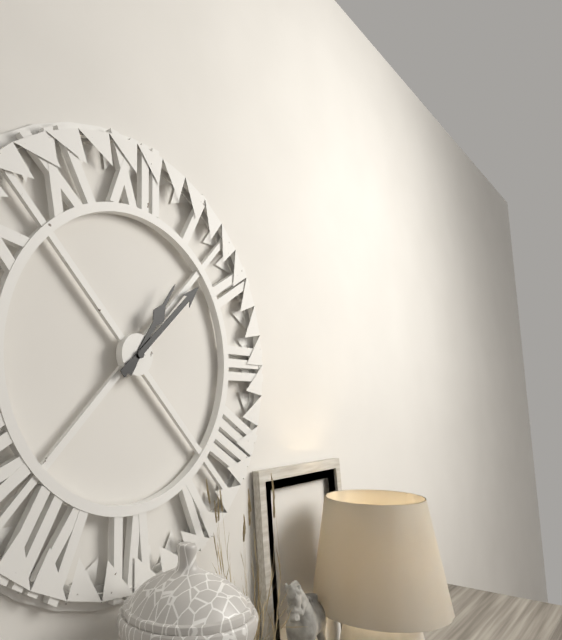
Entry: 1 h 08 min
